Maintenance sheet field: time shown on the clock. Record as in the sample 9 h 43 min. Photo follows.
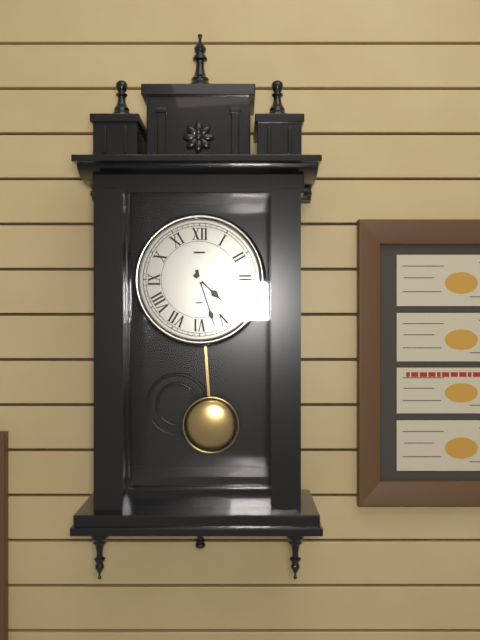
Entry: 4 h 27 min
